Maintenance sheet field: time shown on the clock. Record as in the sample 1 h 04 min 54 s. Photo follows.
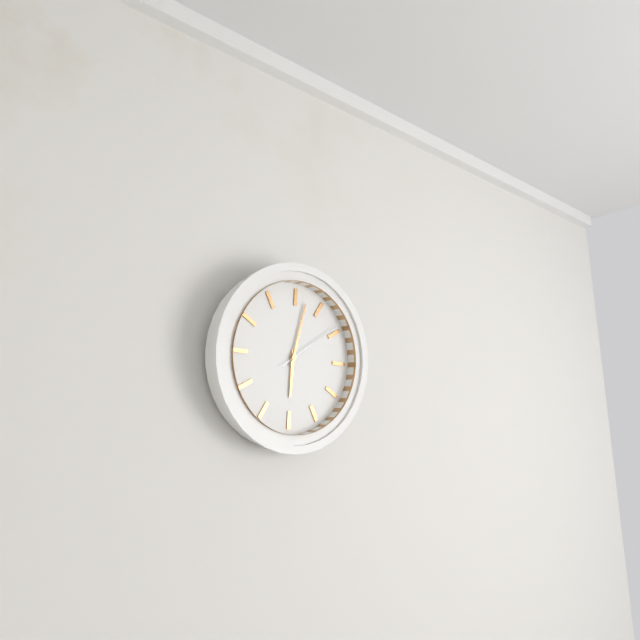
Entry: 6 h 02 min 09 s
